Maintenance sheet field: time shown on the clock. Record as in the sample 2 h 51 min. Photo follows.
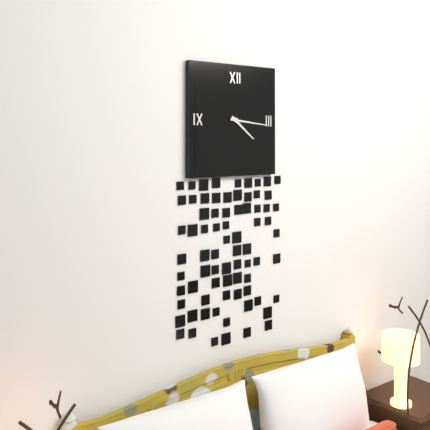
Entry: 4 h 16 min
